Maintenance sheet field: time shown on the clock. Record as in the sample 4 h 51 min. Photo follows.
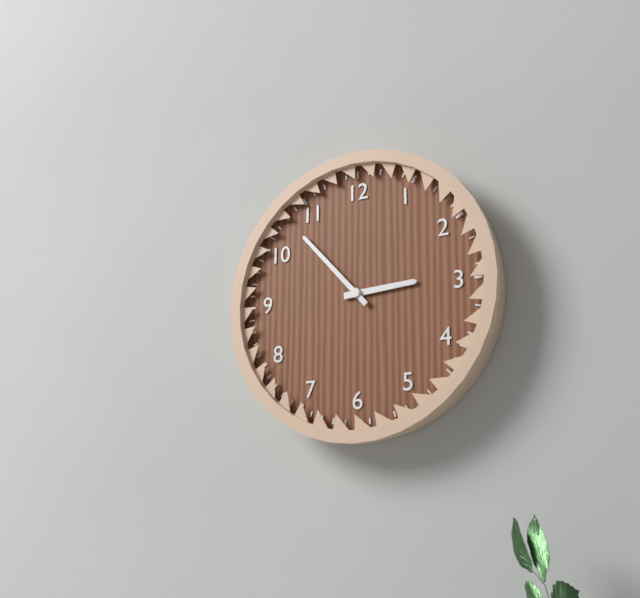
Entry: 2 h 53 min
